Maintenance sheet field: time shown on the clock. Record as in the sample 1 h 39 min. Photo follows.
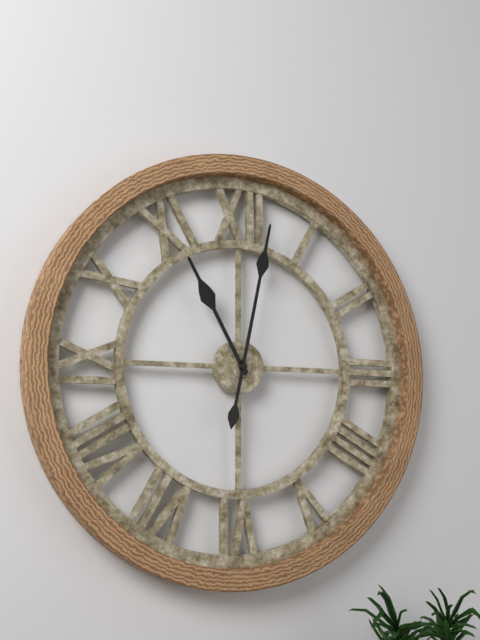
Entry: 11 h 02 min
